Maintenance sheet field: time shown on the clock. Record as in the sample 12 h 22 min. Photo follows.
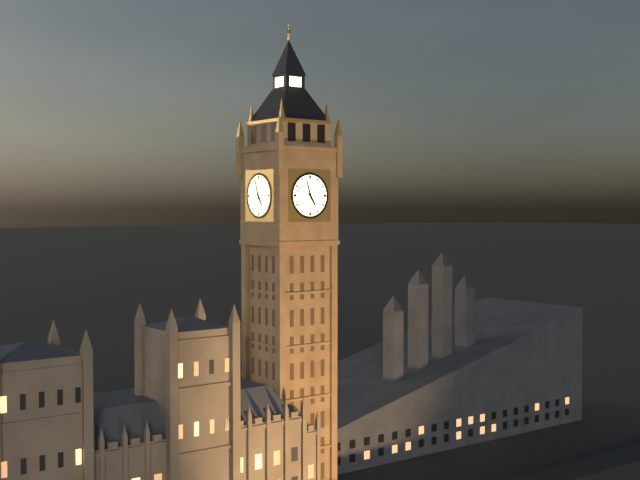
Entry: 4 h 57 min
